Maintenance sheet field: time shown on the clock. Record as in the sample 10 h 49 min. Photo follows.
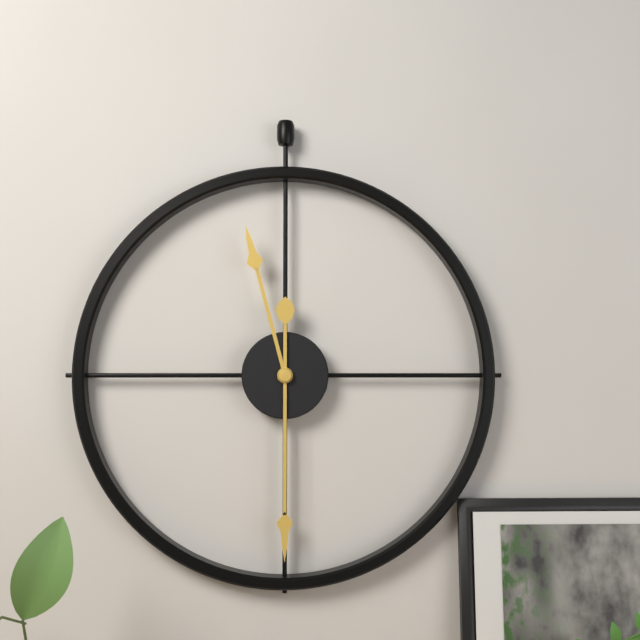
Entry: 11 h 30 min
